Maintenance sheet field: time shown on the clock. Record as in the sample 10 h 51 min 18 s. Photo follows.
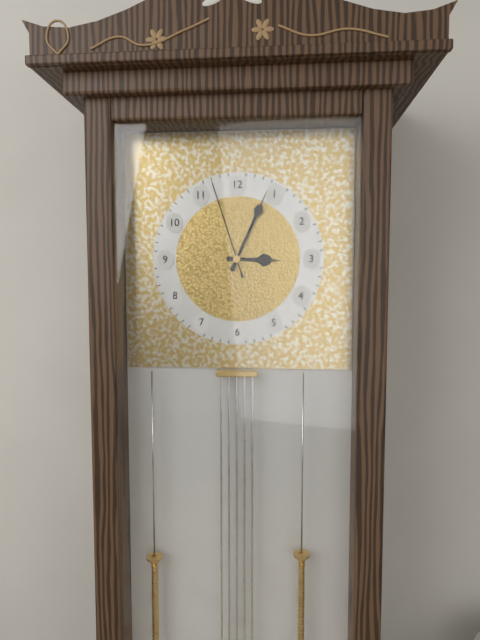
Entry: 3 h 04 min 57 s
